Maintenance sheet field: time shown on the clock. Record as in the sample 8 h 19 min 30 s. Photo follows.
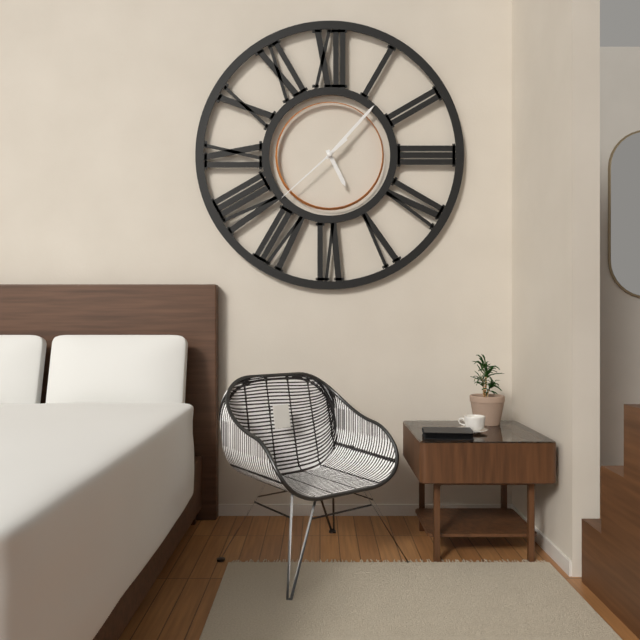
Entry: 5 h 07 min 38 s
